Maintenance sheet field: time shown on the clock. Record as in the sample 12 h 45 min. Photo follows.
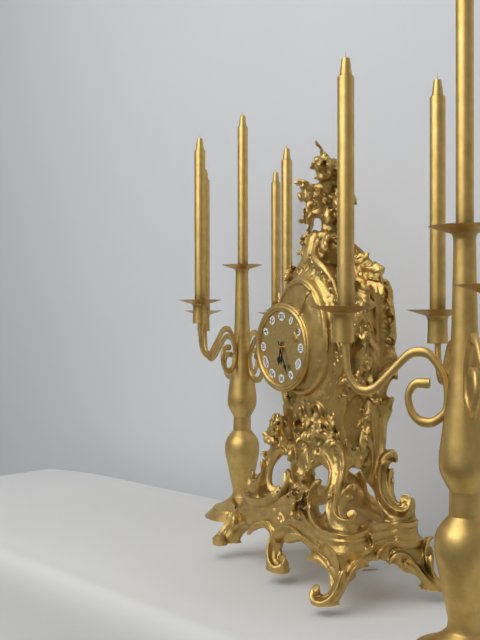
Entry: 6 h 26 min
